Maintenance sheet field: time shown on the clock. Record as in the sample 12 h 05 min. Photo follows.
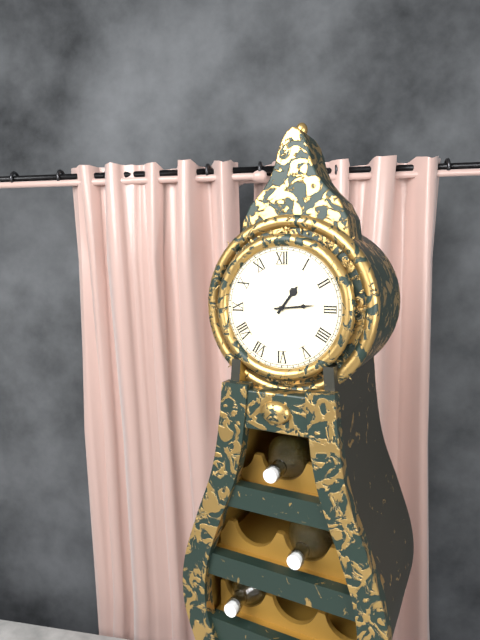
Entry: 1 h 14 min
